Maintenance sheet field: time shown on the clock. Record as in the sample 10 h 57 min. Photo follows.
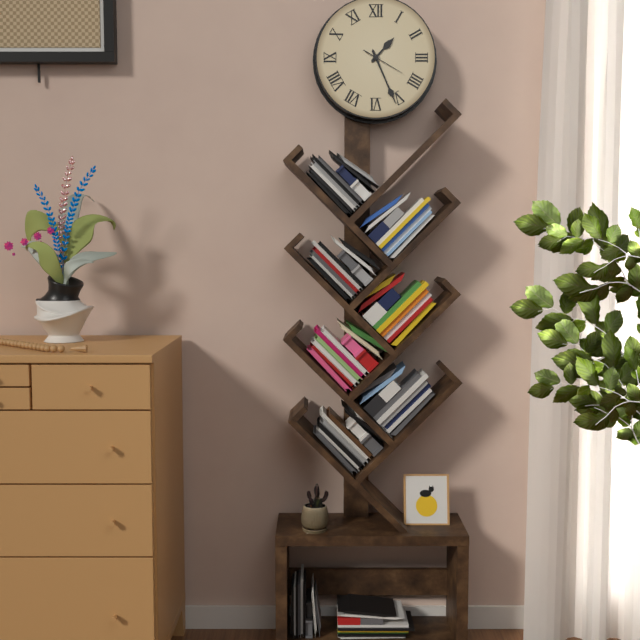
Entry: 1 h 26 min
